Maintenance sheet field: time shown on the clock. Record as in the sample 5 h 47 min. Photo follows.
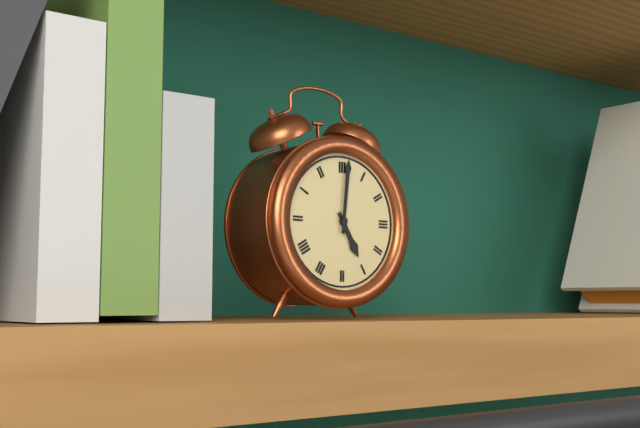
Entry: 5 h 01 min
